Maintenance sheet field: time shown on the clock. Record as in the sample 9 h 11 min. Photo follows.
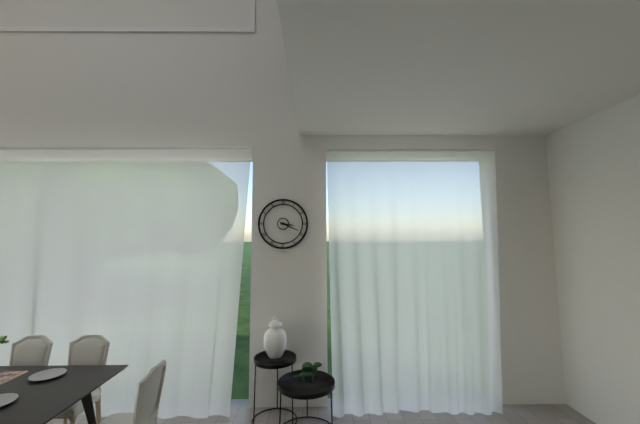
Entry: 3 h 19 min
